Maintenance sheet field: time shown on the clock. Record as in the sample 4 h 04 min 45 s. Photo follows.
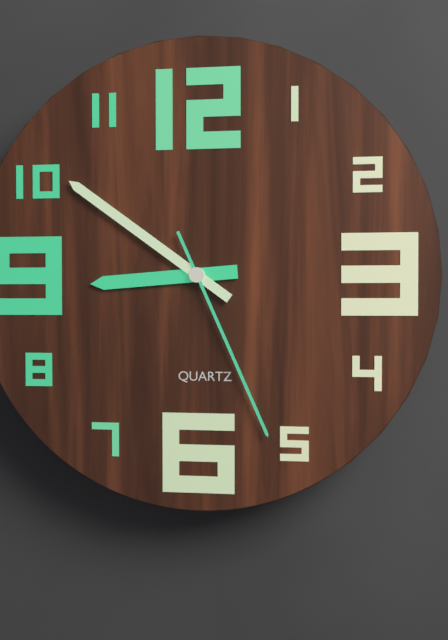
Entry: 8 h 51 min 26 s
